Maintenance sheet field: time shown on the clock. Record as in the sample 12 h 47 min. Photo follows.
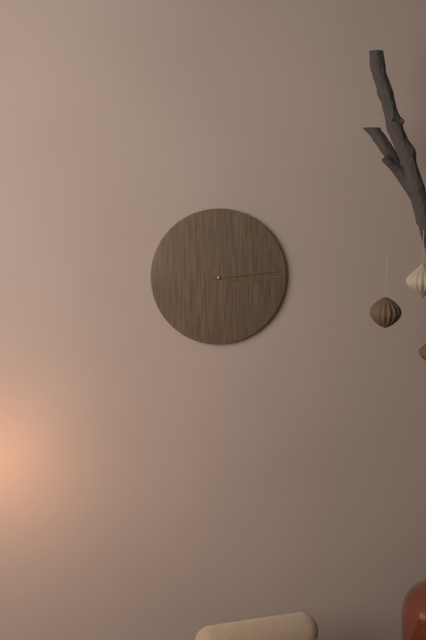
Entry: 3 h 14 min
